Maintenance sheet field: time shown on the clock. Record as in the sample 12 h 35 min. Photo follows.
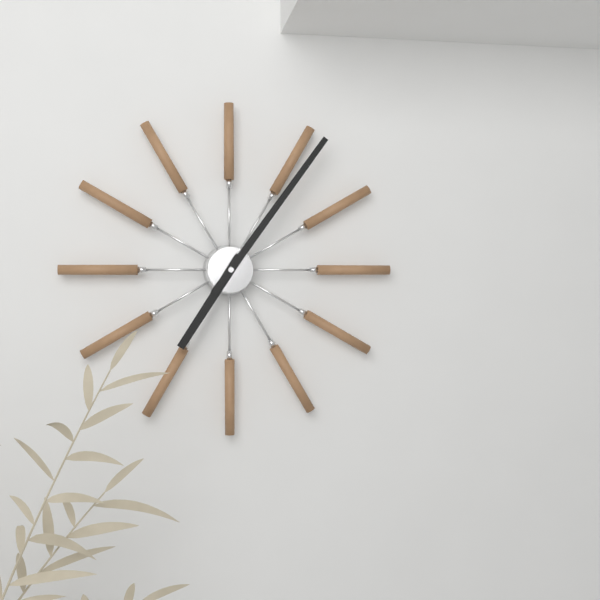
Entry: 7 h 06 min
